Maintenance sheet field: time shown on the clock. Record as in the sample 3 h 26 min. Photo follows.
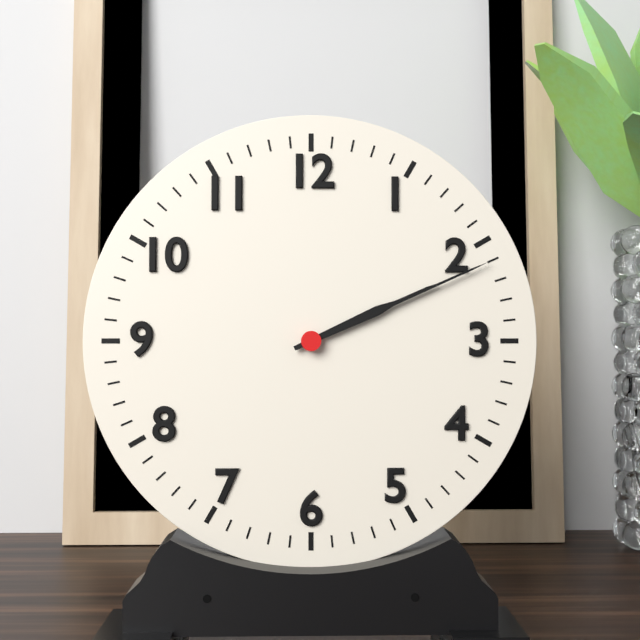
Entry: 2 h 11 min
